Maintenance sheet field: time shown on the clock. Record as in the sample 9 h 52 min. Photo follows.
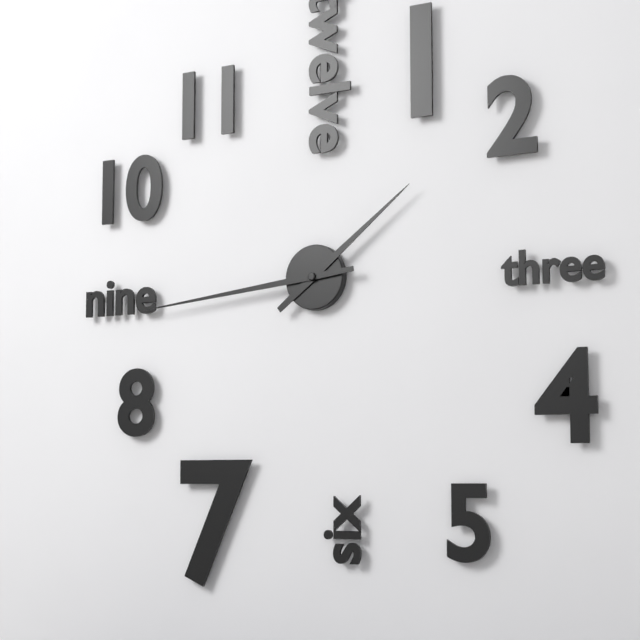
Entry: 1 h 44 min
